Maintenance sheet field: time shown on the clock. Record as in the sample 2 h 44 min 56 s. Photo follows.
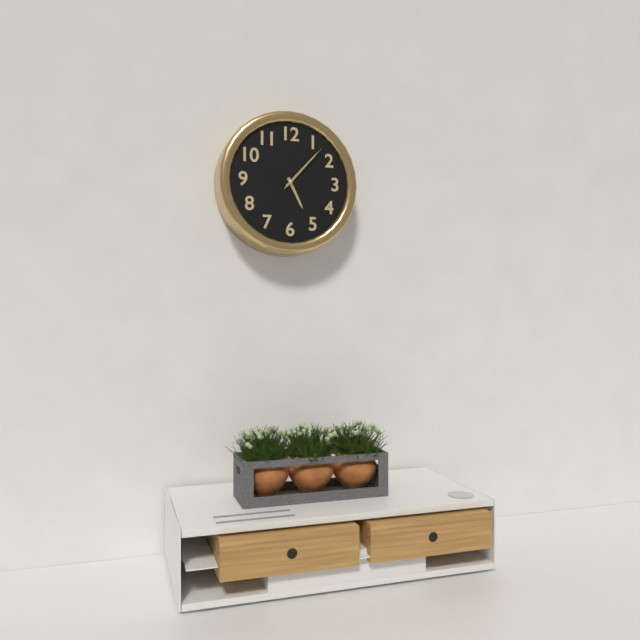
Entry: 5 h 07 min 07 s
